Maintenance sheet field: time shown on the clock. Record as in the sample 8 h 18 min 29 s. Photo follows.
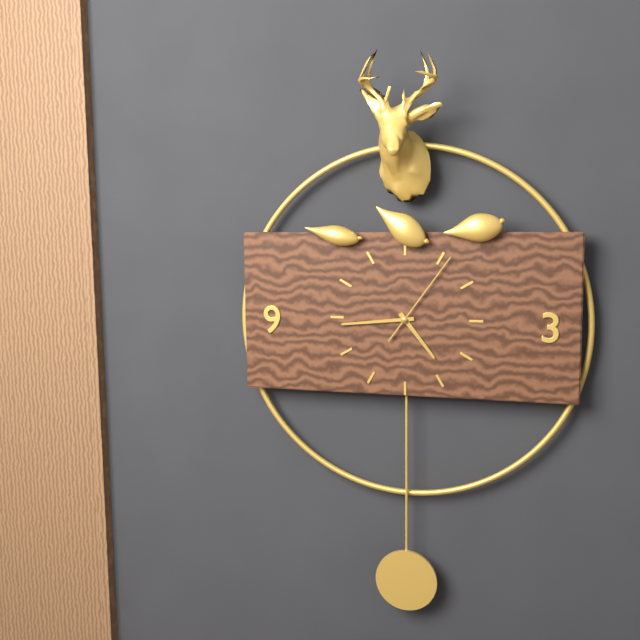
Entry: 4 h 44 min 06 s
